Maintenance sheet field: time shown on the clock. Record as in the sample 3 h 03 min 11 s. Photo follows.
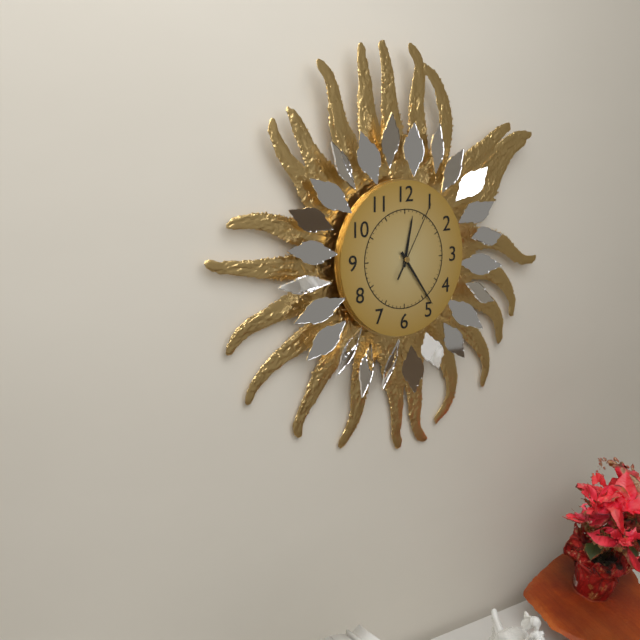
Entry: 12 h 24 min 05 s
